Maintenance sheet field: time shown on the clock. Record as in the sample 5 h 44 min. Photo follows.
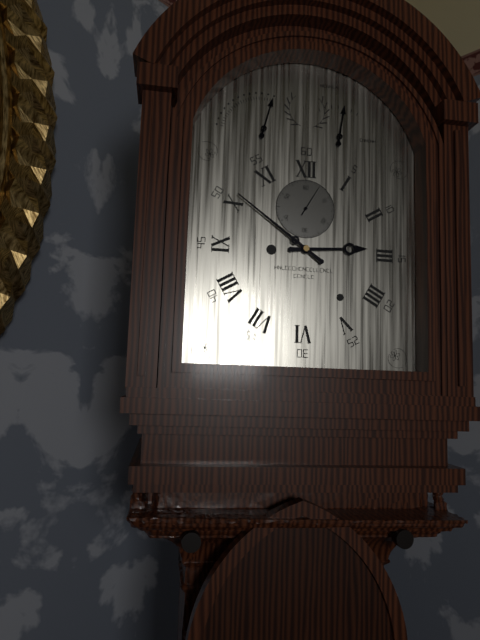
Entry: 2 h 51 min
